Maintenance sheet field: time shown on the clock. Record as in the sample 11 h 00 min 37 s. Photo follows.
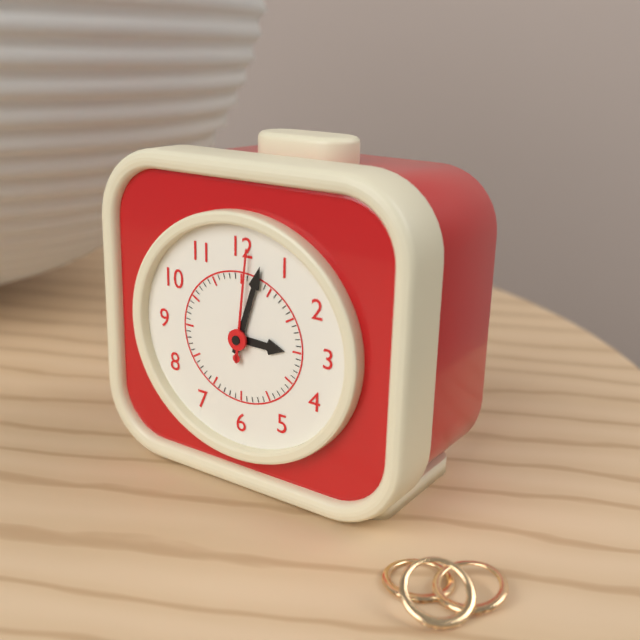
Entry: 3 h 03 min 01 s
